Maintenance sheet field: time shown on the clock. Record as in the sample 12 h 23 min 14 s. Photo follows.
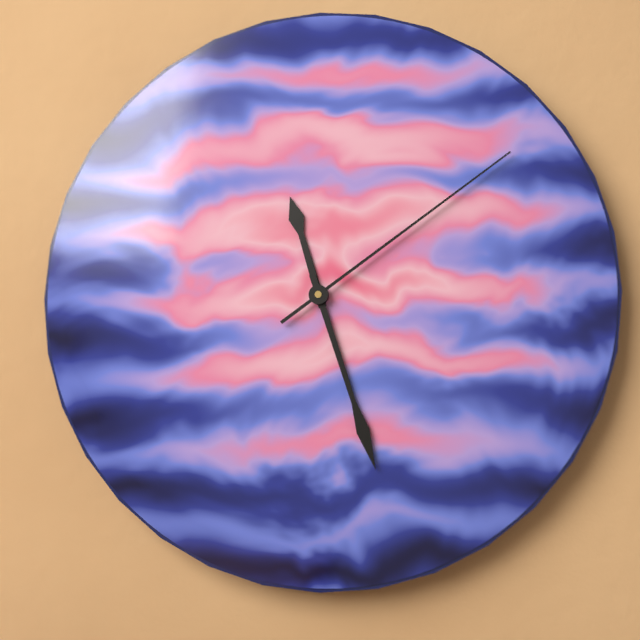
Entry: 11 h 27 min 09 s
